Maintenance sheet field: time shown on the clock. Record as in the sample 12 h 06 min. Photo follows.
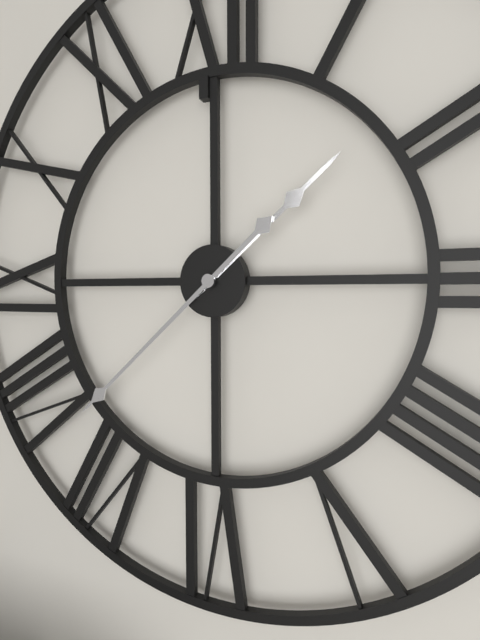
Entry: 1 h 38 min
